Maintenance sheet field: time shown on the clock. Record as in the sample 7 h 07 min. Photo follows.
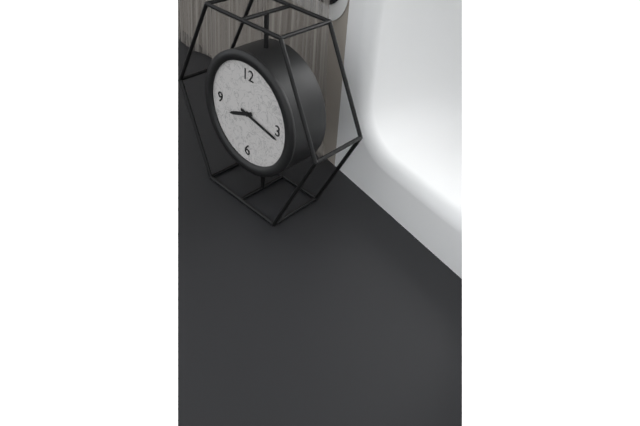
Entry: 8 h 17 min
